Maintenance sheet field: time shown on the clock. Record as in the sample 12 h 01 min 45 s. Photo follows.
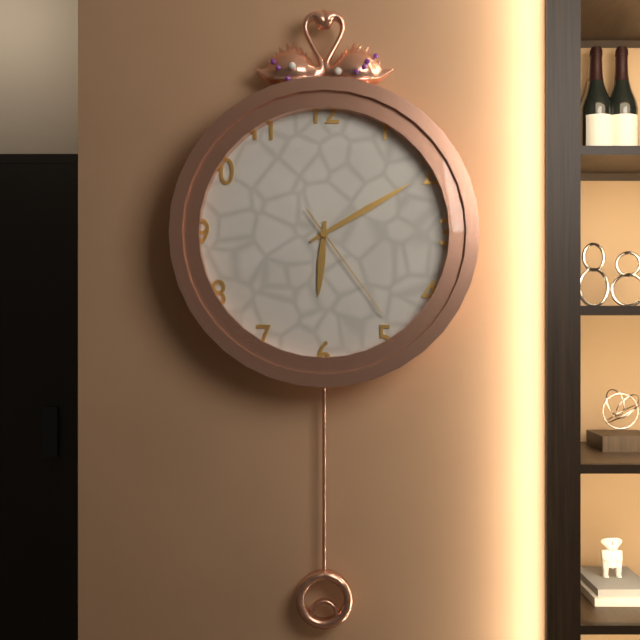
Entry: 6 h 10 min 24 s
